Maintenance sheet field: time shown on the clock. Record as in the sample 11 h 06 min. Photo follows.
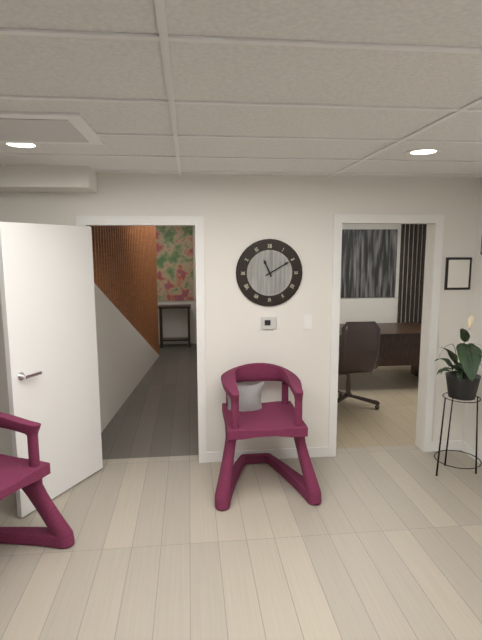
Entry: 11 h 10 min
